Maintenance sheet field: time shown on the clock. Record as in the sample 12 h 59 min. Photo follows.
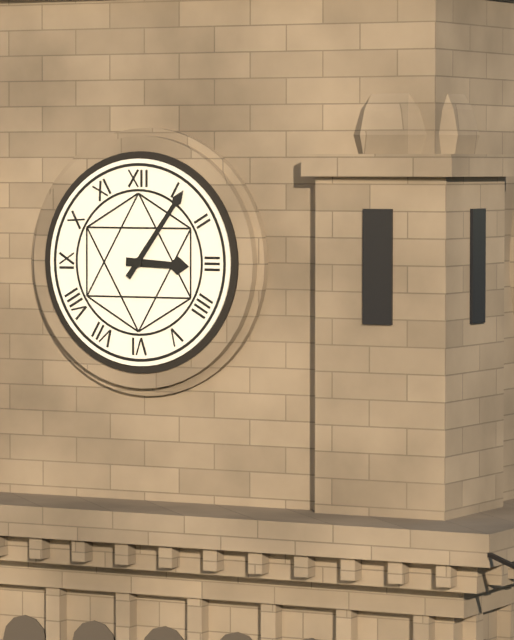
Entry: 3 h 06 min
